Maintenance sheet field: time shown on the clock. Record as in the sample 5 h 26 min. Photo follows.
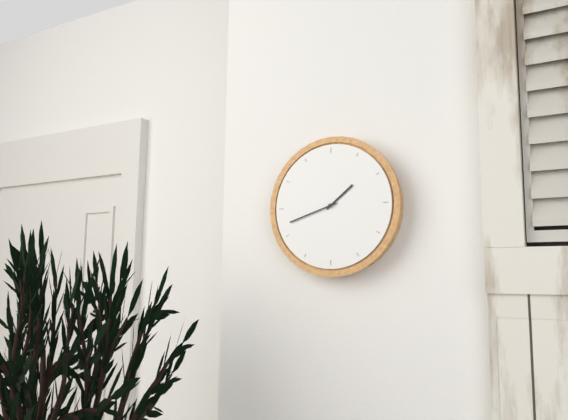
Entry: 1 h 42 min
